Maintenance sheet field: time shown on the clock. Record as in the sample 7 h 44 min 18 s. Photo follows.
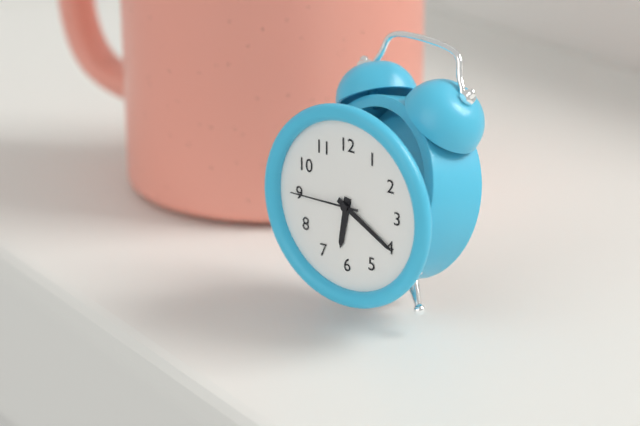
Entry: 6 h 20 min 45 s
